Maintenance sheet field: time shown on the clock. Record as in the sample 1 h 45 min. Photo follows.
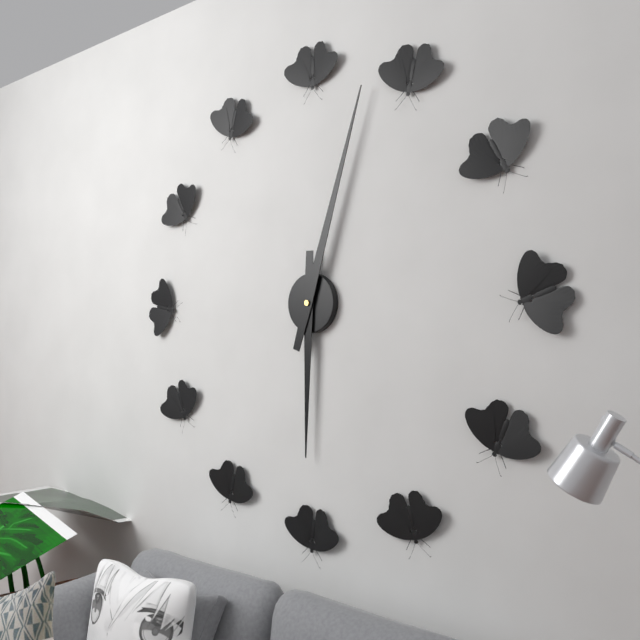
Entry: 6 h 03 min
